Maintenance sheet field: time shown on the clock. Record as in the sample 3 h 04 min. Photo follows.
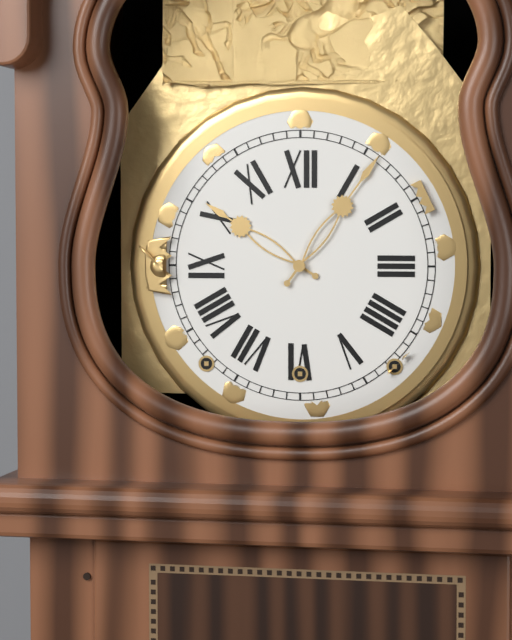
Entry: 10 h 06 min
